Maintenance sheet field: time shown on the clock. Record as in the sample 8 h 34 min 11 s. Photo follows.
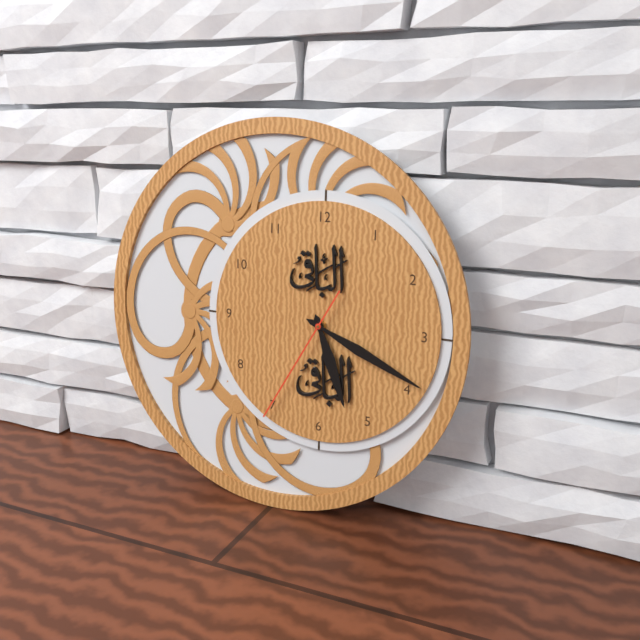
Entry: 5 h 19 min 35 s
